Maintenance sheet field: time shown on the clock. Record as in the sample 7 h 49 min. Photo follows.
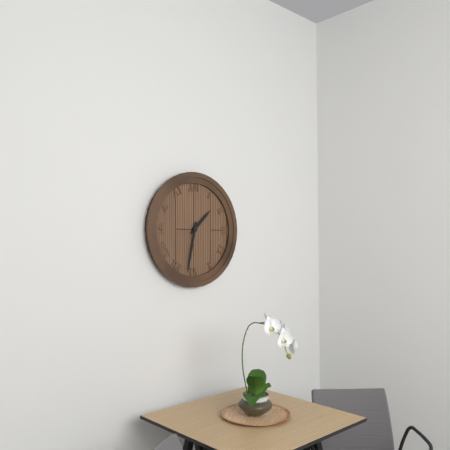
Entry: 1 h 32 min
